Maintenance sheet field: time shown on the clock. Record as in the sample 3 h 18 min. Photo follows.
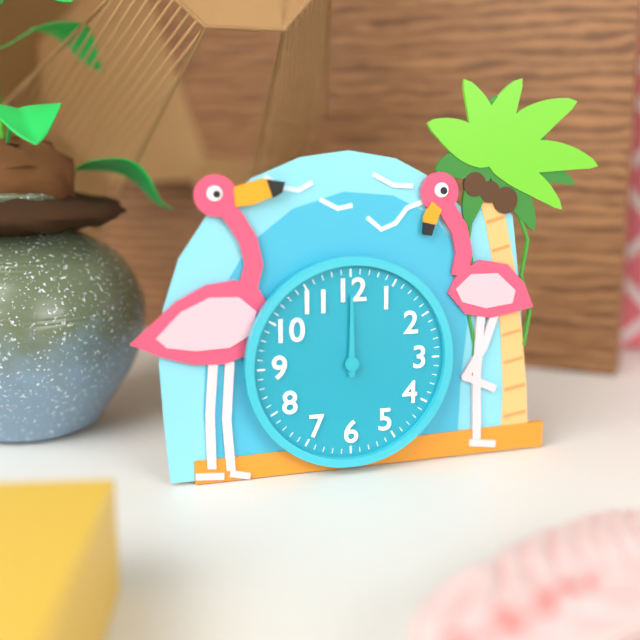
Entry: 12 h 00 min
